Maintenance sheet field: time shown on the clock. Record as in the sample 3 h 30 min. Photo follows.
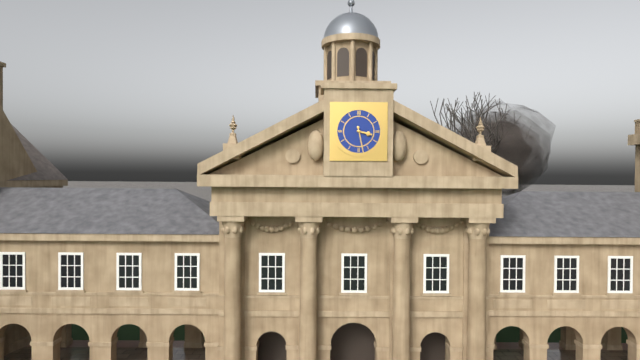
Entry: 3 h 28 min
